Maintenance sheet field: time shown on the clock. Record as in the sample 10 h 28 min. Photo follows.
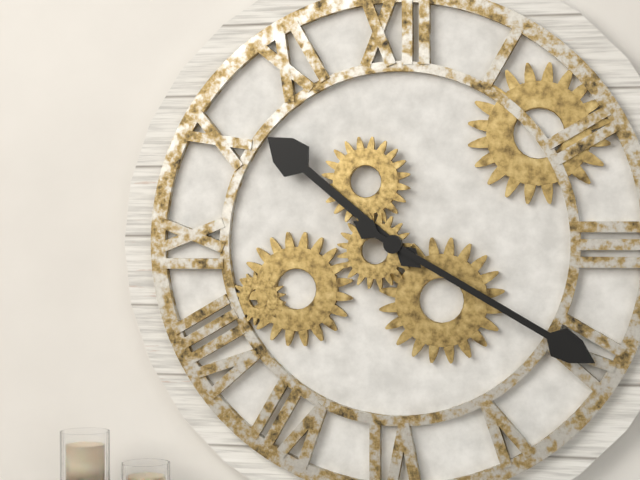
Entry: 10 h 20 min
